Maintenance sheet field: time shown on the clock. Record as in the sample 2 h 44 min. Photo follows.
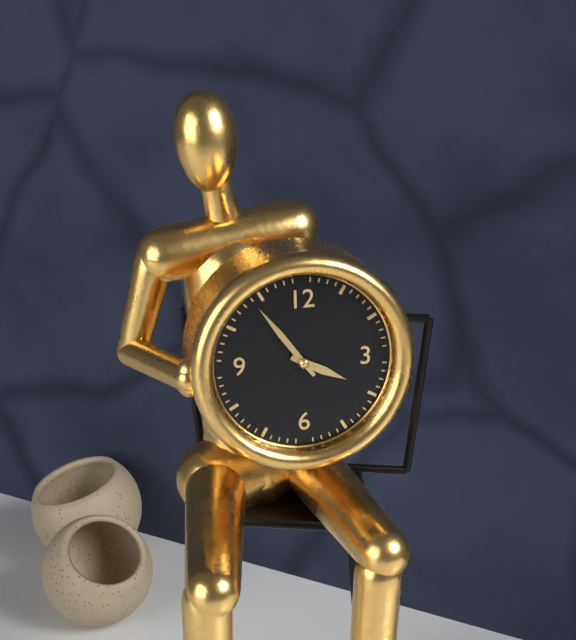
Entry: 3 h 54 min
